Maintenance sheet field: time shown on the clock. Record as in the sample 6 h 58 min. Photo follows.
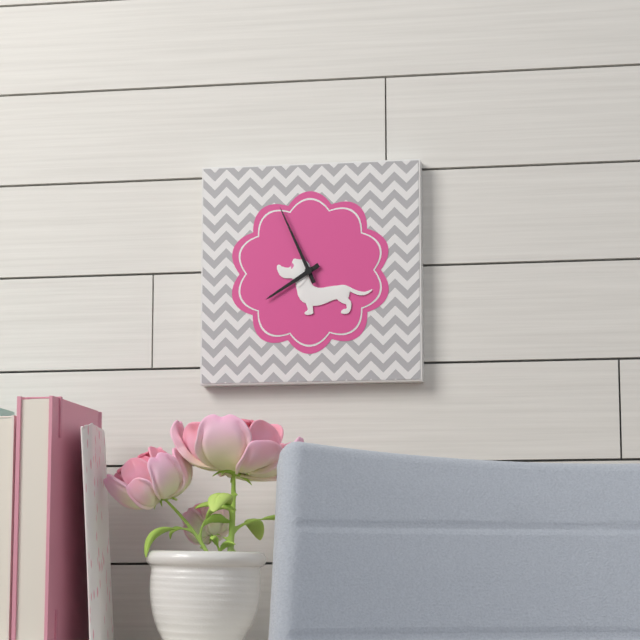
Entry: 7 h 56 min
